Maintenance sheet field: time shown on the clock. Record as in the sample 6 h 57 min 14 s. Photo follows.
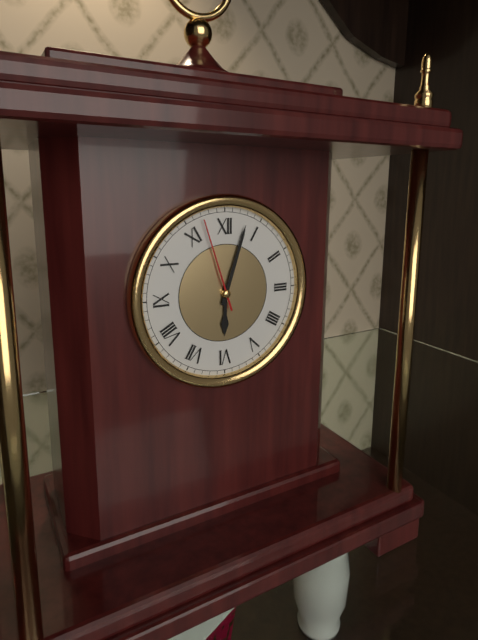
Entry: 6 h 03 min 57 s
